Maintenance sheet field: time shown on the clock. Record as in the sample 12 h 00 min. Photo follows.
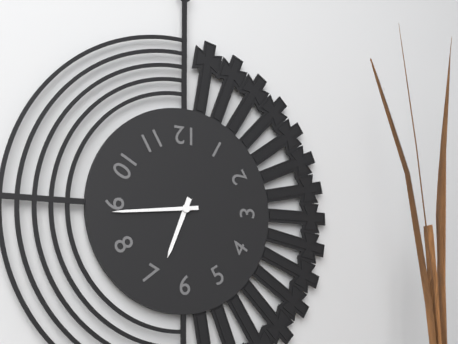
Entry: 6 h 44 min
